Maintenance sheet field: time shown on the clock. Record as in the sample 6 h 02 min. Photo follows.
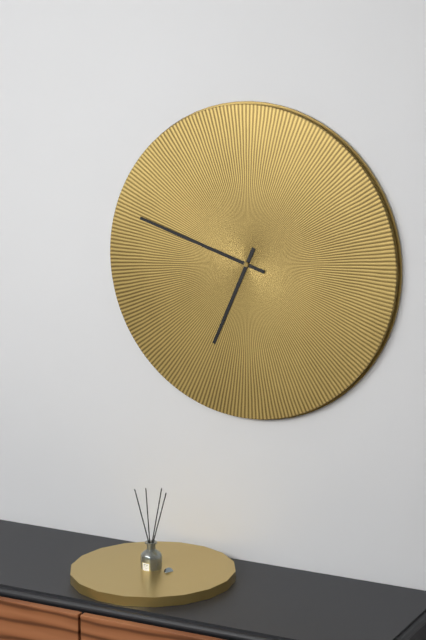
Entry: 6 h 48 min
